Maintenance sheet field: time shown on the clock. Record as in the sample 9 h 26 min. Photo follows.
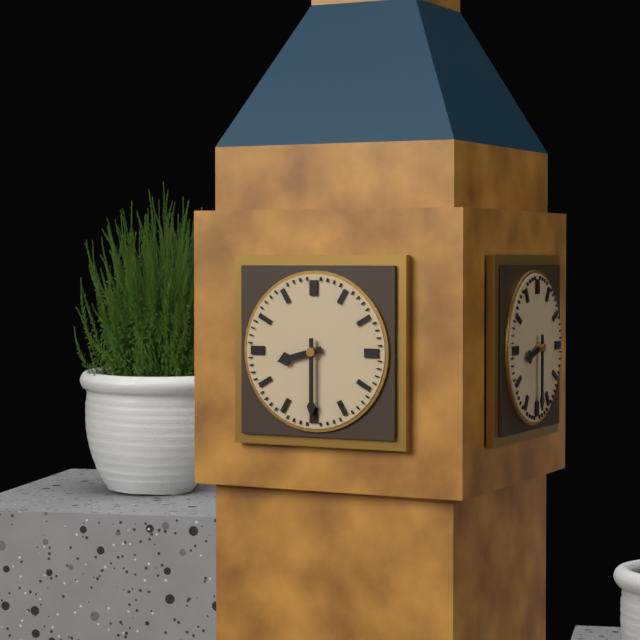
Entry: 8 h 30 min
